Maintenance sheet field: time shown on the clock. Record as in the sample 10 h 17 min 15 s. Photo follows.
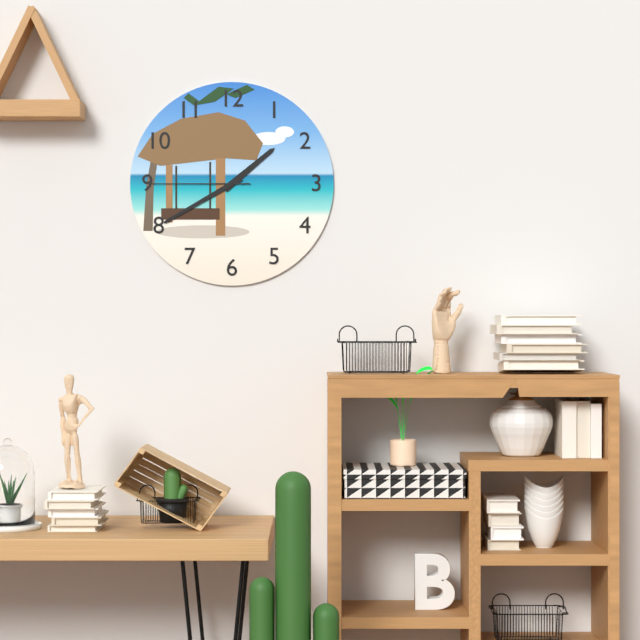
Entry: 1 h 40 min 45 s
